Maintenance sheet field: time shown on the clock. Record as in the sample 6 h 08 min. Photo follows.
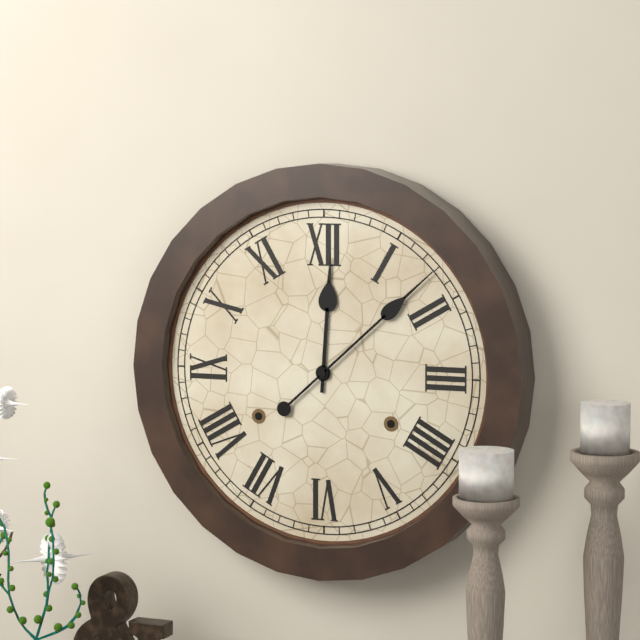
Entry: 12 h 08 min
